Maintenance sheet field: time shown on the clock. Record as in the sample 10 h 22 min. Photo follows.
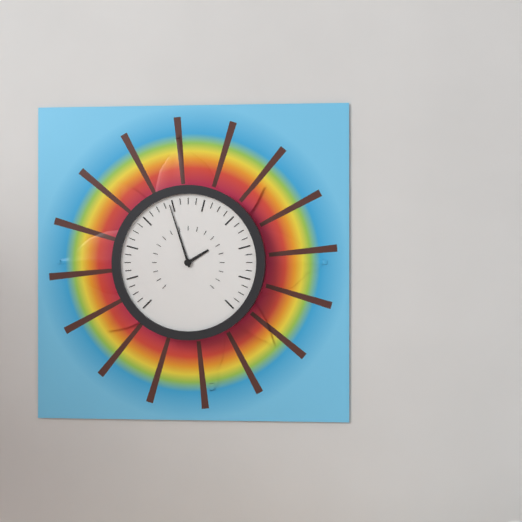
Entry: 1 h 57 min
